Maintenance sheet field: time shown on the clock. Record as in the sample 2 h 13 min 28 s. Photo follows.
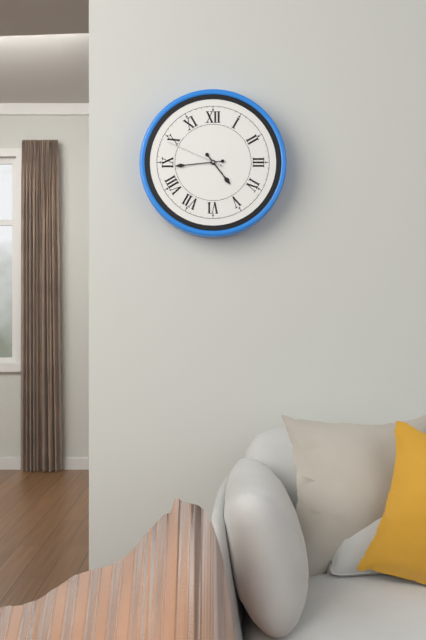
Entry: 4 h 44 min 49 s
